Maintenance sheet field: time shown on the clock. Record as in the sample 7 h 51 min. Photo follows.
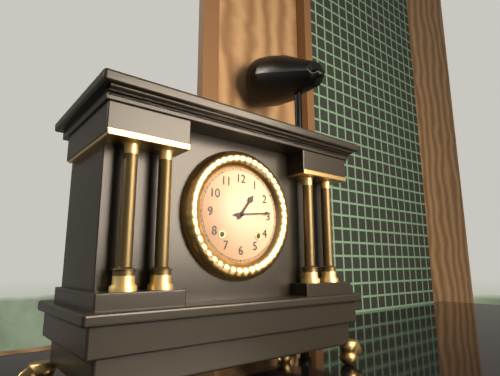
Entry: 1 h 14 min
